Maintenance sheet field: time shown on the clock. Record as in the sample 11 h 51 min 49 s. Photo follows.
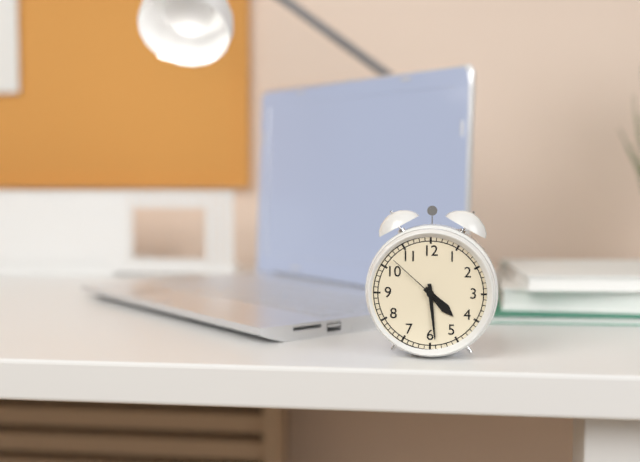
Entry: 4 h 29 min 52 s
